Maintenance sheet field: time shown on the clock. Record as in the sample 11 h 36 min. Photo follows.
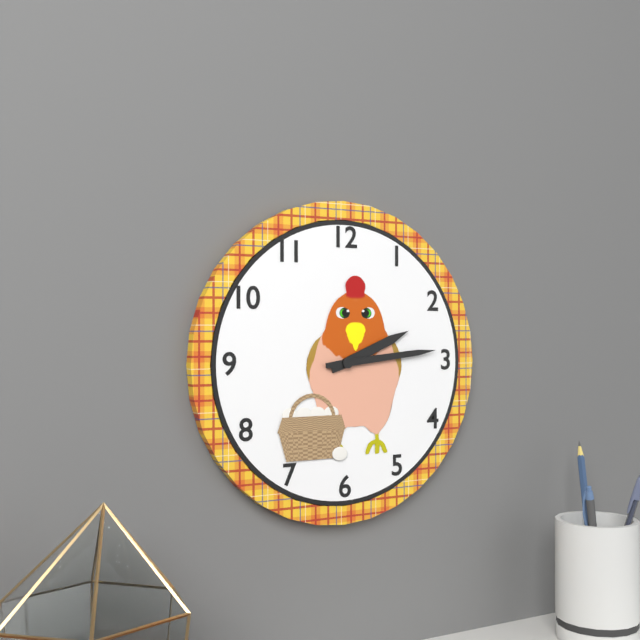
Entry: 2 h 14 min
